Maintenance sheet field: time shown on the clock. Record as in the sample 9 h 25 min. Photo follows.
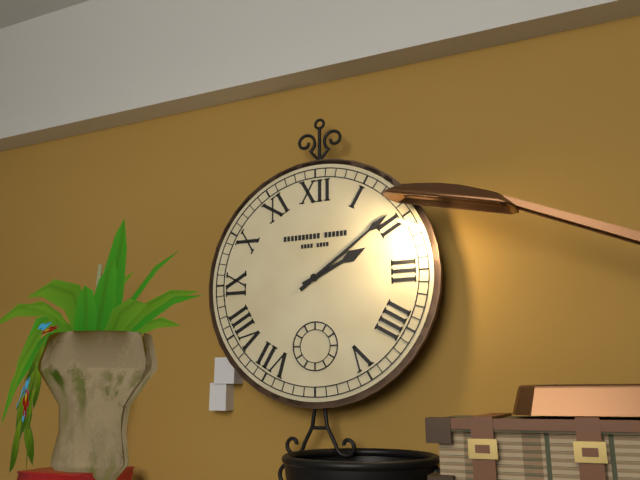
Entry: 2 h 09 min
